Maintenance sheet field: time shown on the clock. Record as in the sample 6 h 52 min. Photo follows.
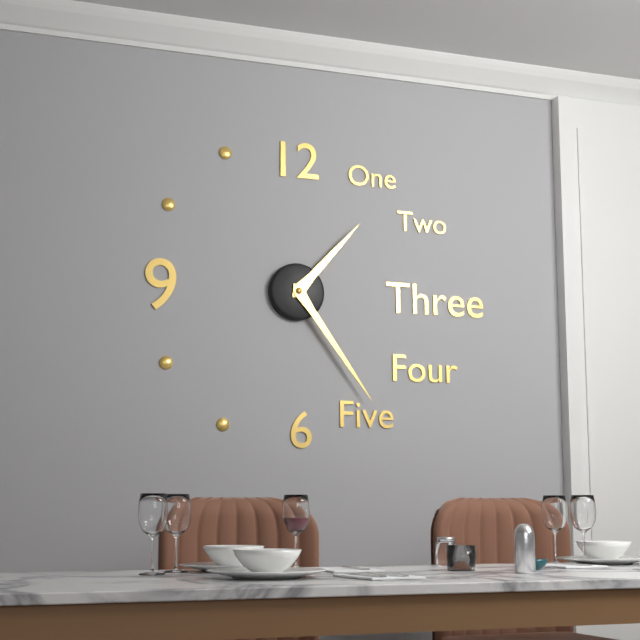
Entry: 1 h 24 min
